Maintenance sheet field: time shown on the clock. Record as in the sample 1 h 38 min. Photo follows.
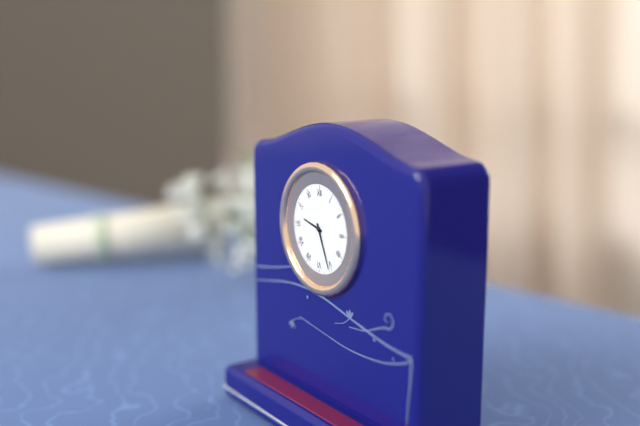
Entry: 9 h 26 min
